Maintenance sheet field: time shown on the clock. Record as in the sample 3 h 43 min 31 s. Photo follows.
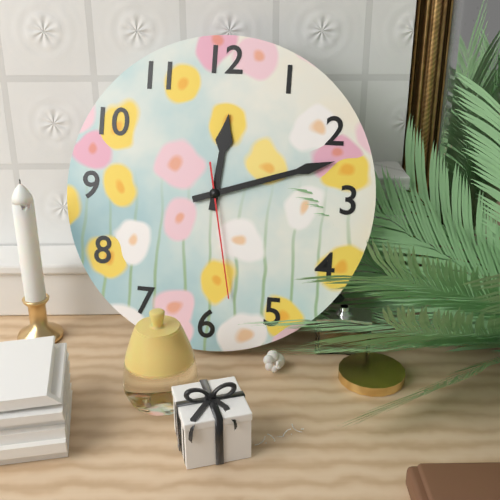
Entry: 12 h 12 min 28 s
